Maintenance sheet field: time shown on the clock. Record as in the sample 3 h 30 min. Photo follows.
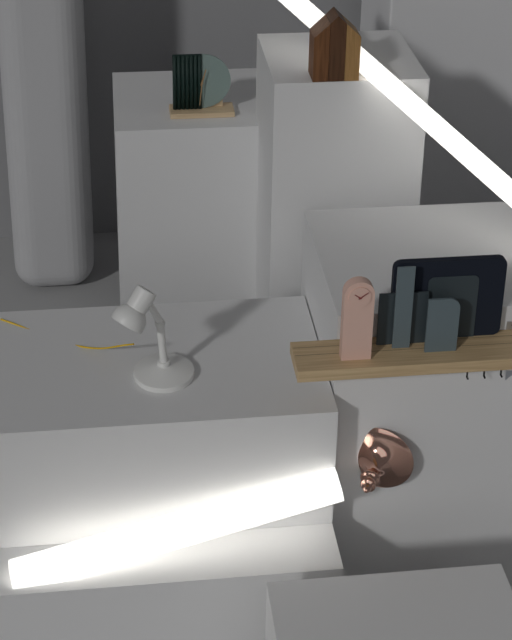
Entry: 12 h 31 min
